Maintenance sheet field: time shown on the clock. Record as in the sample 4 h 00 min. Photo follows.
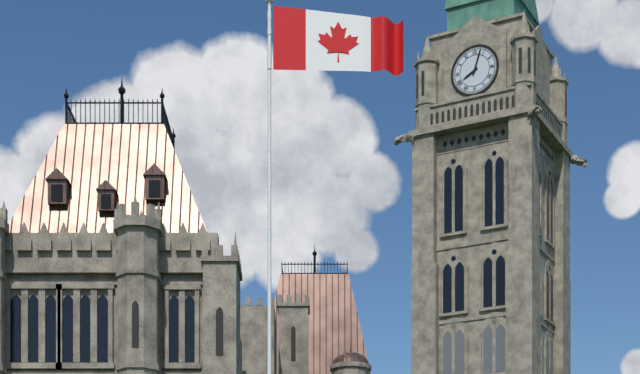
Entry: 8 h 03 min
